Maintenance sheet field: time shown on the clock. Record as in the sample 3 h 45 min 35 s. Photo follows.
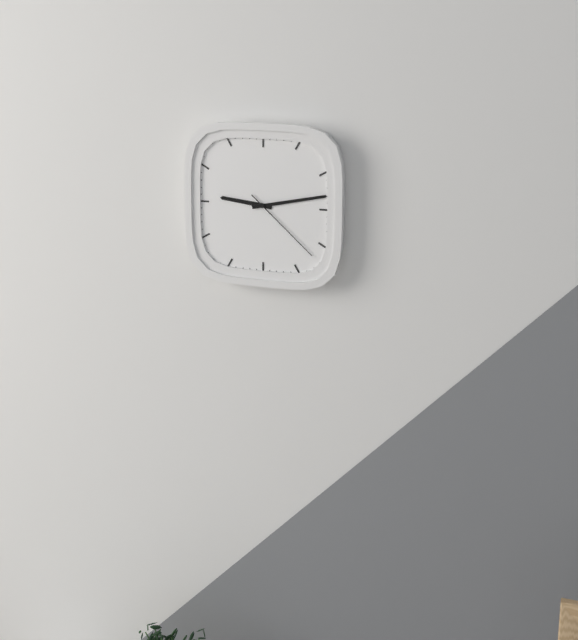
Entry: 9 h 13 min 22 s
